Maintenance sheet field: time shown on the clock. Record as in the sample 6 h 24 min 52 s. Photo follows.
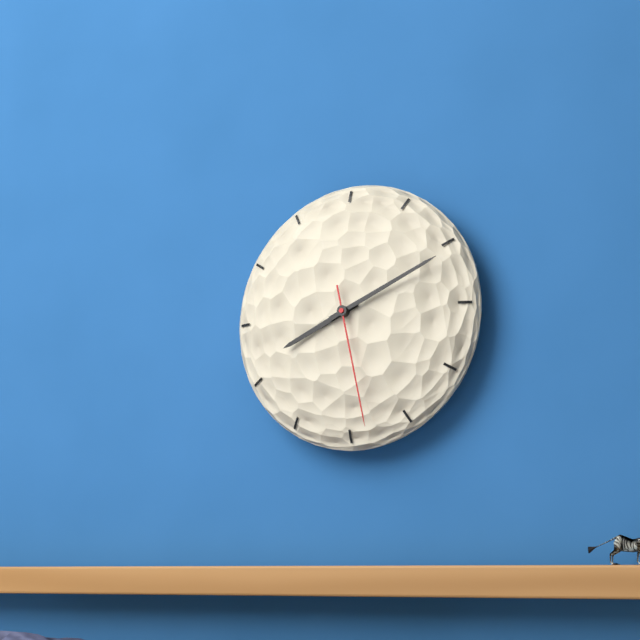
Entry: 8 h 11 min 28 s
